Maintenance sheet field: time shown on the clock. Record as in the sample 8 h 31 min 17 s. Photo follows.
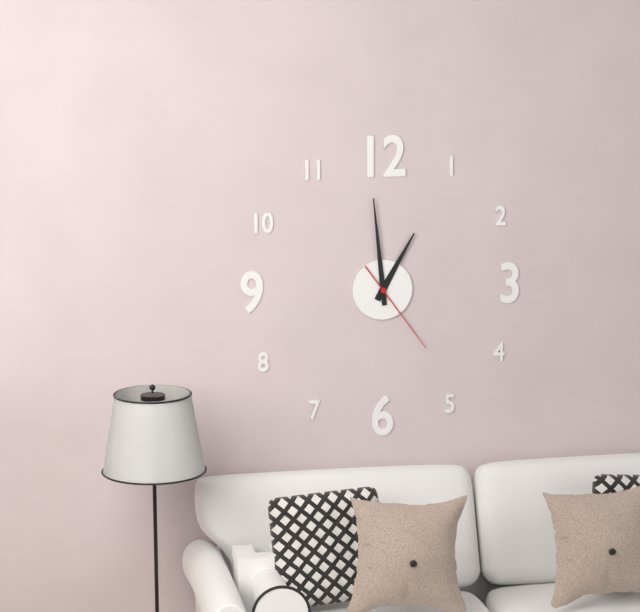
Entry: 12 h 59 min 24 s
